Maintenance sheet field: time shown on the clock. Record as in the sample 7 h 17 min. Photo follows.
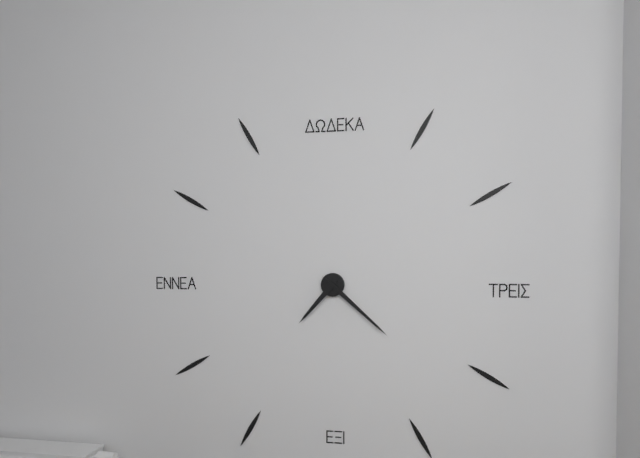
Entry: 7 h 22 min
